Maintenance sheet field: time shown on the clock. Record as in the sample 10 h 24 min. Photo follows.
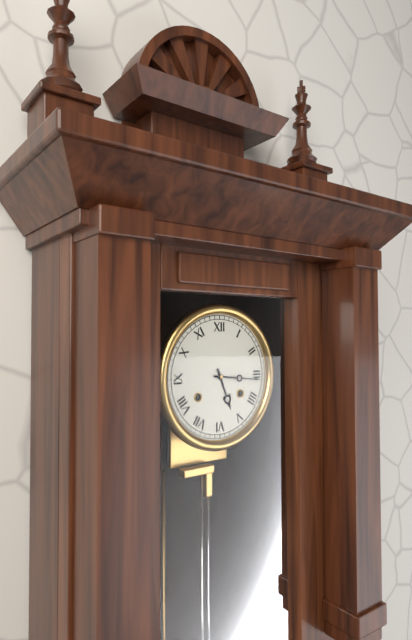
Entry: 5 h 16 min
